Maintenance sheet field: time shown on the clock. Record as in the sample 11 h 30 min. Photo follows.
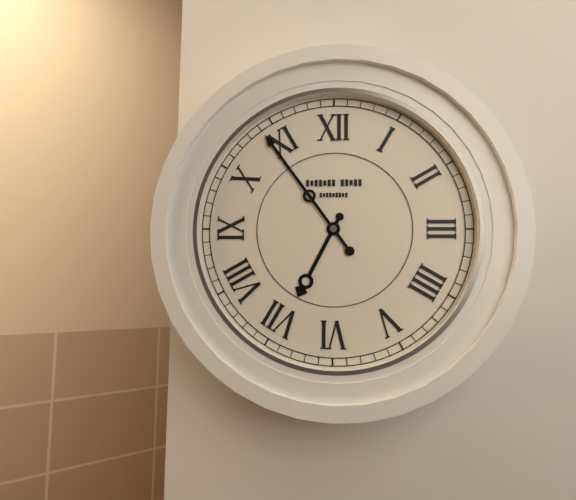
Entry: 6 h 54 min
